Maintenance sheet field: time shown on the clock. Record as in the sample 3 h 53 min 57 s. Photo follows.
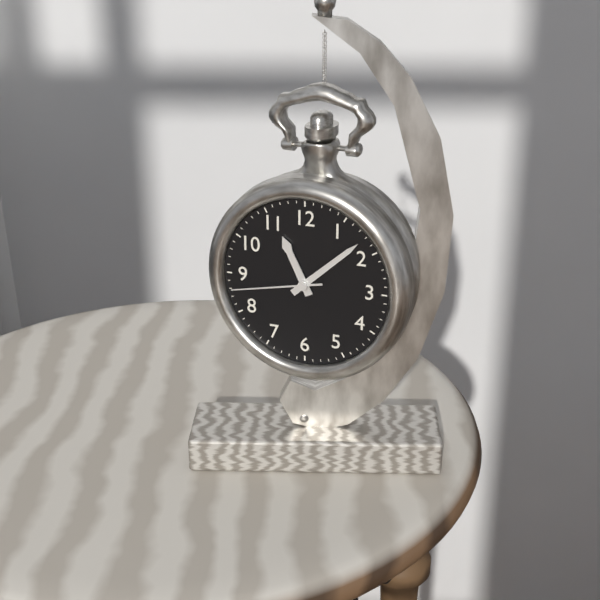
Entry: 11 h 08 min 43 s
